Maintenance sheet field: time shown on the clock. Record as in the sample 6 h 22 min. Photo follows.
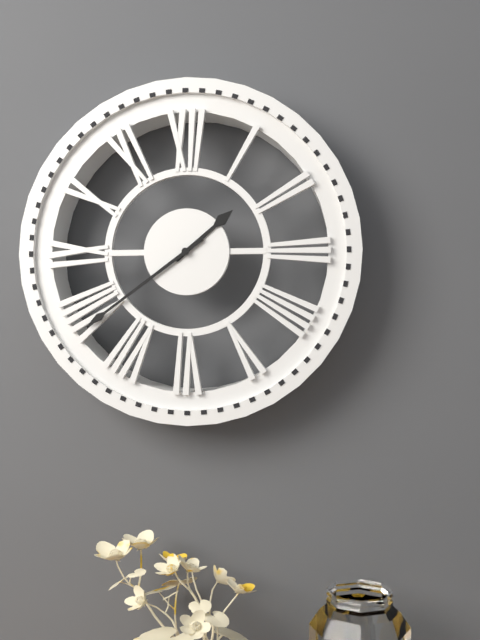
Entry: 1 h 39 min
